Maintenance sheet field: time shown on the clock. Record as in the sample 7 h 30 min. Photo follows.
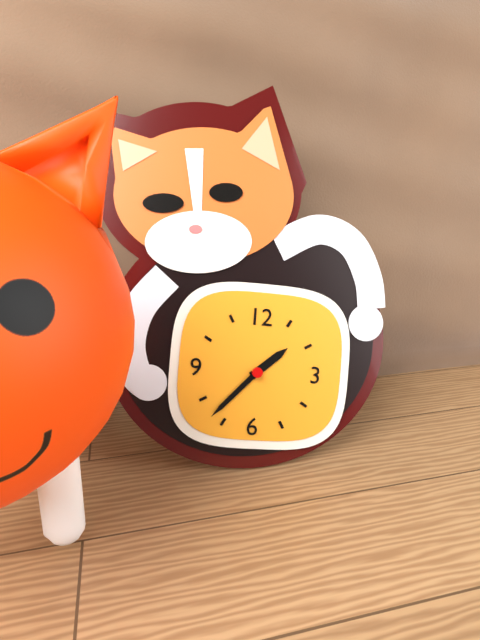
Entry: 1 h 37 min
